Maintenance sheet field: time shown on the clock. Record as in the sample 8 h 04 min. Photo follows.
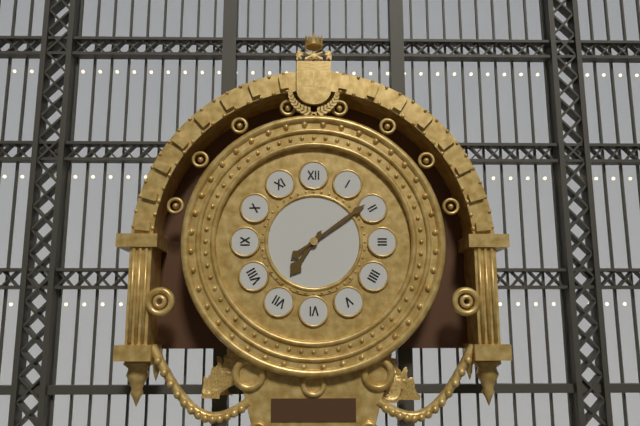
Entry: 7 h 09 min
